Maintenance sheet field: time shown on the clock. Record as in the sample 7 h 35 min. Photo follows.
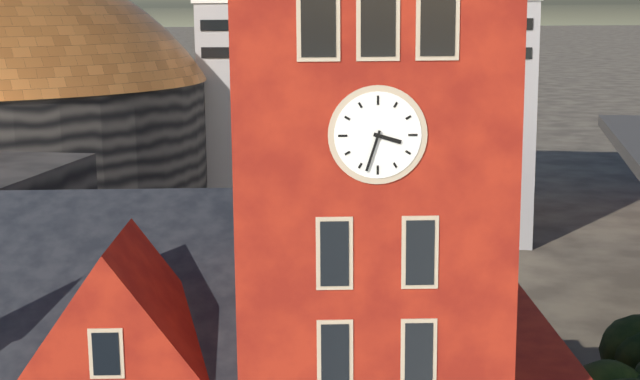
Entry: 3 h 33 min
